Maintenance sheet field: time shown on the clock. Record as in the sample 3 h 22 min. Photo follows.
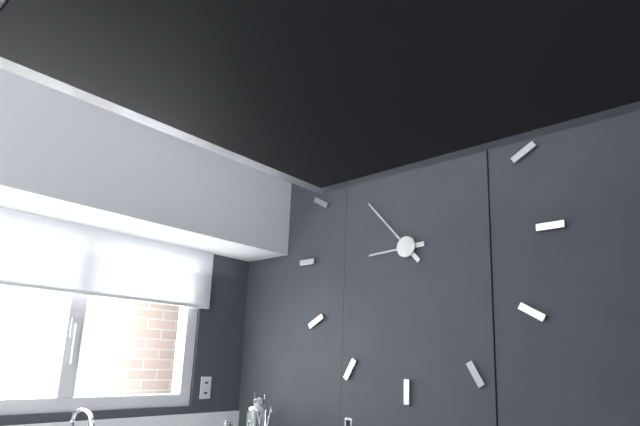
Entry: 8 h 53 min
